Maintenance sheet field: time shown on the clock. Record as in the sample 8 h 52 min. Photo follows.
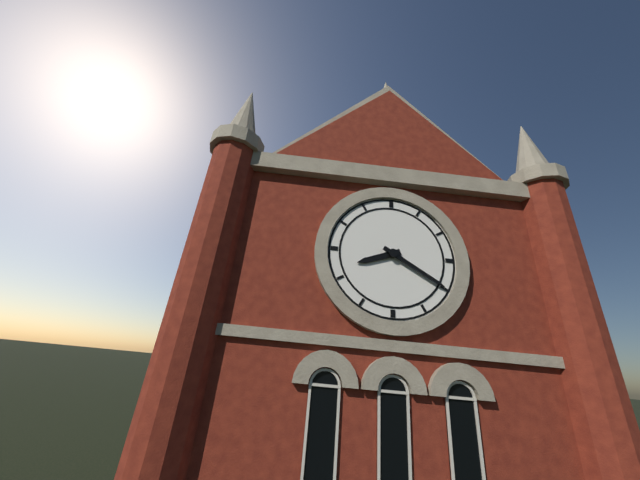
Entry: 8 h 20 min
